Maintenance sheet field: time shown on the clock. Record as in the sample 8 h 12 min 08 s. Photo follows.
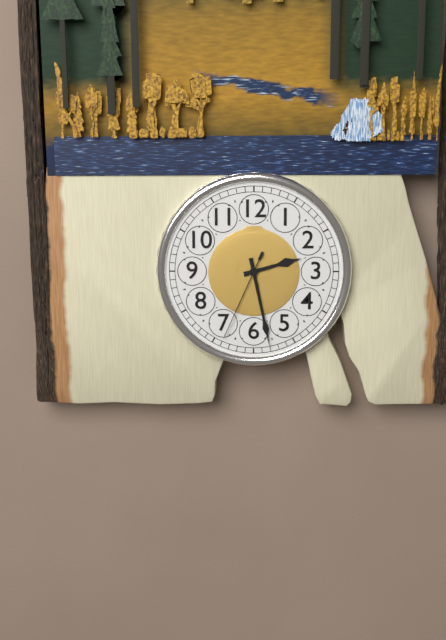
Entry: 2 h 28 min 34 s
